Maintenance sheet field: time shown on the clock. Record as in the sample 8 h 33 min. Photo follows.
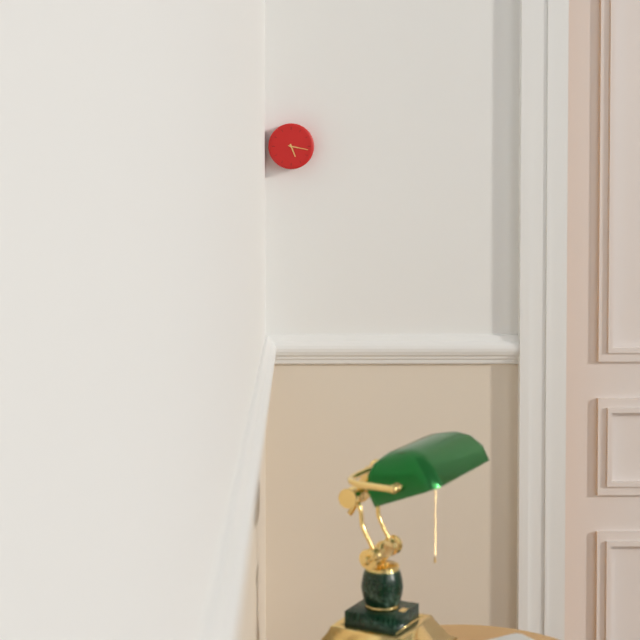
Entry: 5 h 17 min
